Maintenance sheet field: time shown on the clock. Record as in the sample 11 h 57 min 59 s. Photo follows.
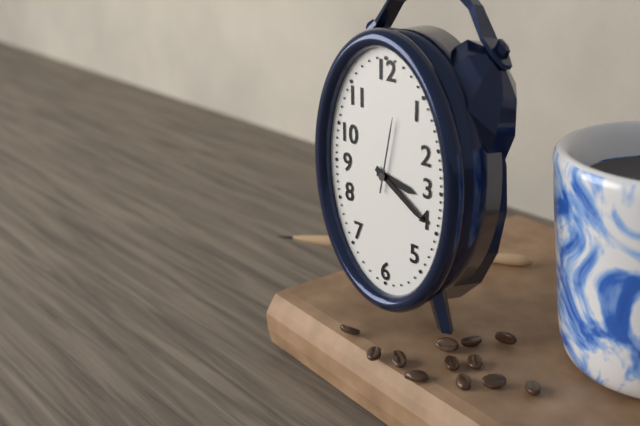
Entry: 3 h 20 min 02 s
